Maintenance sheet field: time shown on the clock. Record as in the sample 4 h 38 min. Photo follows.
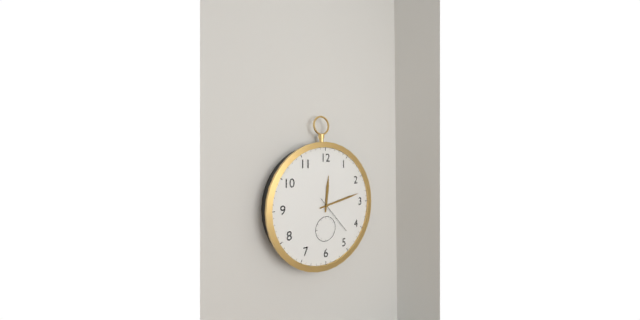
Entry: 12 h 13 min
